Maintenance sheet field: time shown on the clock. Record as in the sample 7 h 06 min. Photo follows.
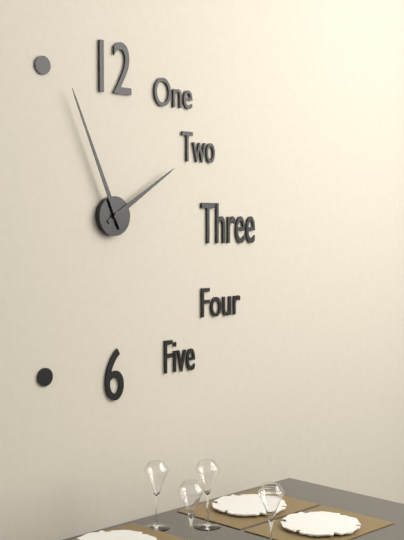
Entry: 1 h 56 min
